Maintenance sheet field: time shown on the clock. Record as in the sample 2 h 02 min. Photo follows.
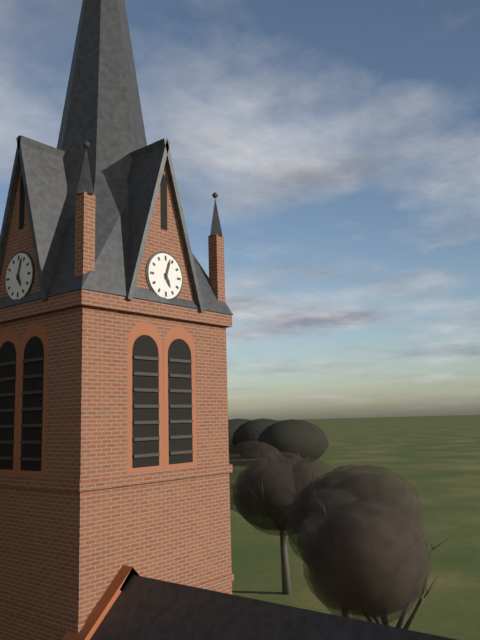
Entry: 5 h 03 min
